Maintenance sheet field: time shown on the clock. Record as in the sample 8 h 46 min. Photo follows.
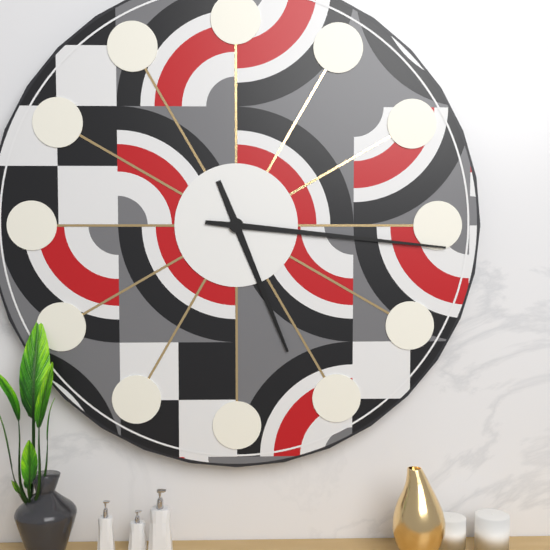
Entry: 5 h 16 min
